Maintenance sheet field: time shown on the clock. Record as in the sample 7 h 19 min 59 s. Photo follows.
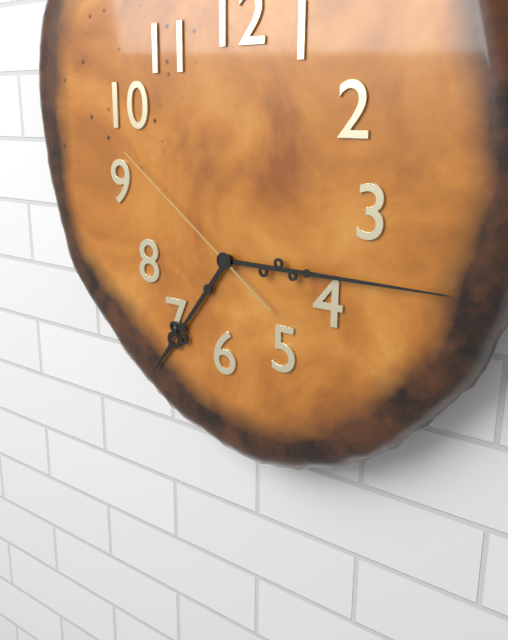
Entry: 7 h 15 min 51 s
